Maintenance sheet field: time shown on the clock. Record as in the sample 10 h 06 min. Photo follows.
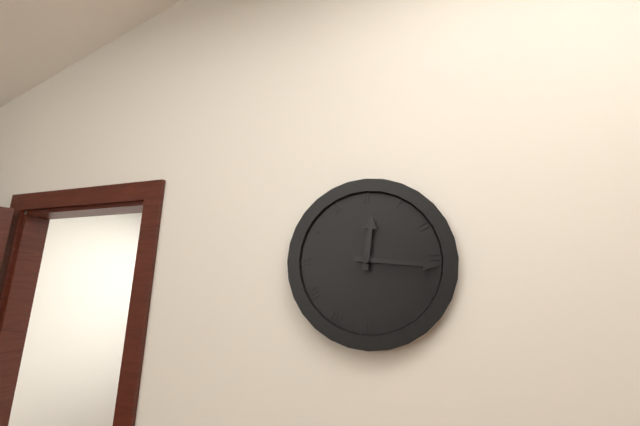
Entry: 12 h 16 min
